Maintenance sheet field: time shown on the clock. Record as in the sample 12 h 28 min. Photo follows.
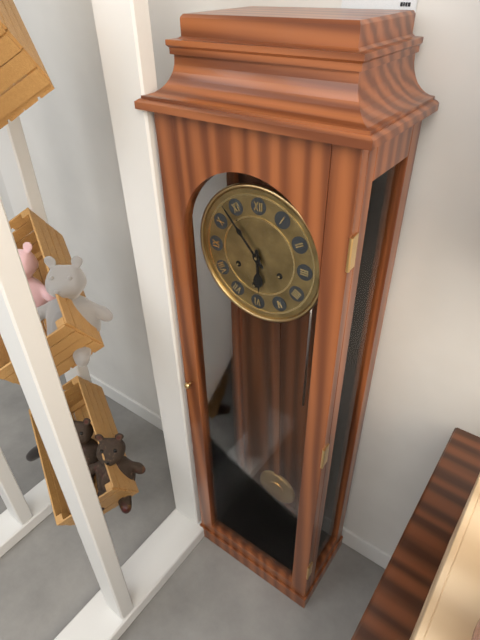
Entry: 5 h 53 min
